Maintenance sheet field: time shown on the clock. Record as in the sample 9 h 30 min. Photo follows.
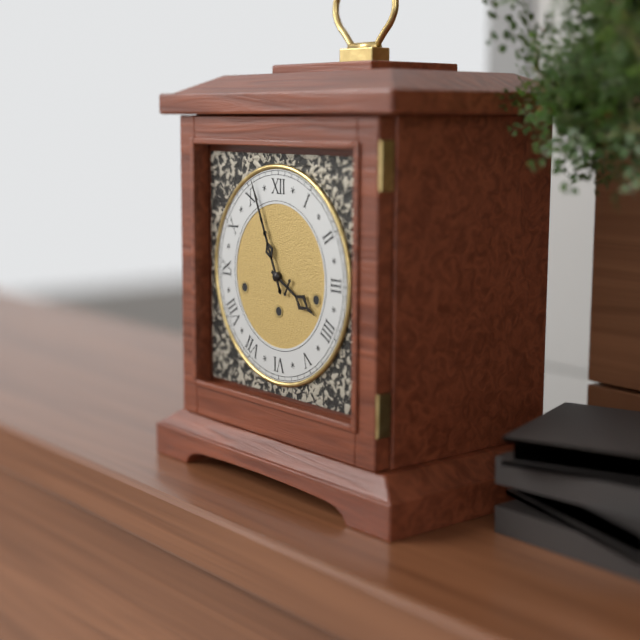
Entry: 3 h 56 min
